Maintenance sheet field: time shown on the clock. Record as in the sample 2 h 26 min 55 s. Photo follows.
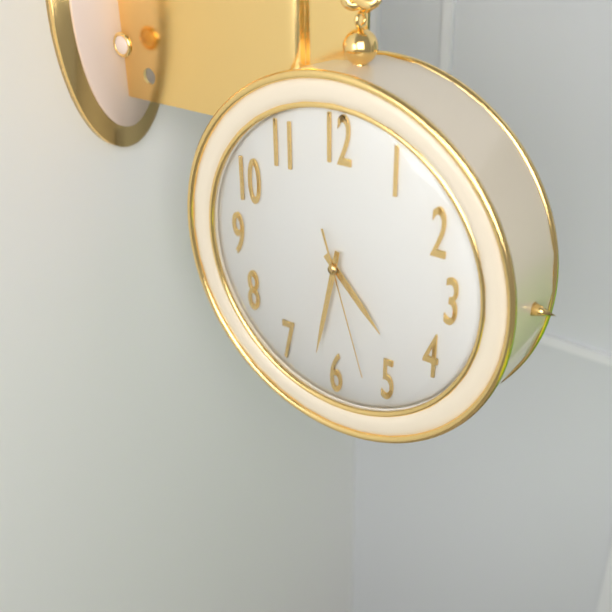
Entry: 4 h 32 min 27 s
